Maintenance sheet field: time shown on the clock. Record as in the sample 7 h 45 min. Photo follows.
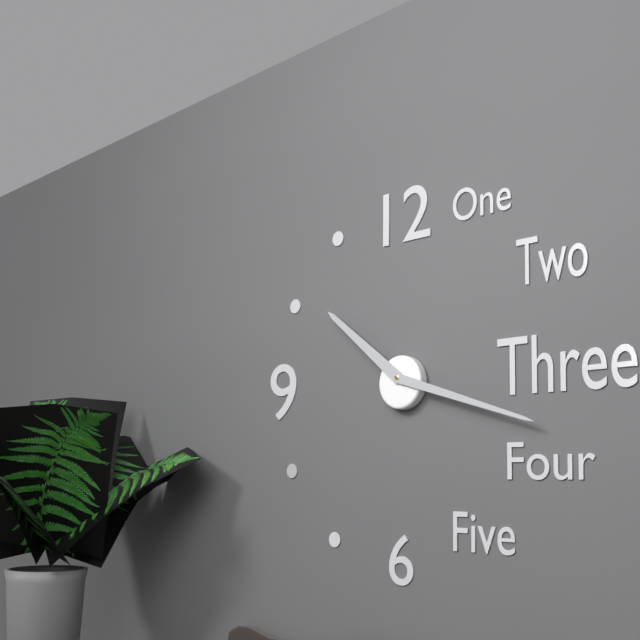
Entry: 10 h 18 min
